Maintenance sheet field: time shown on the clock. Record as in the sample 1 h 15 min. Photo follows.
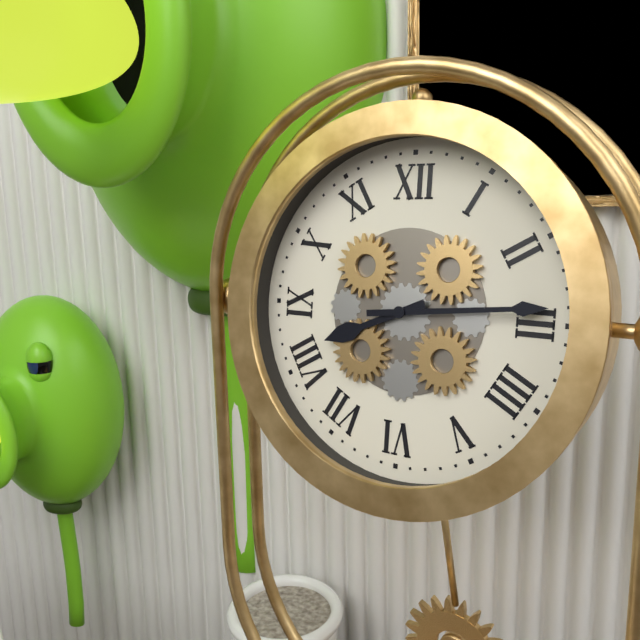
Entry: 8 h 14 min
